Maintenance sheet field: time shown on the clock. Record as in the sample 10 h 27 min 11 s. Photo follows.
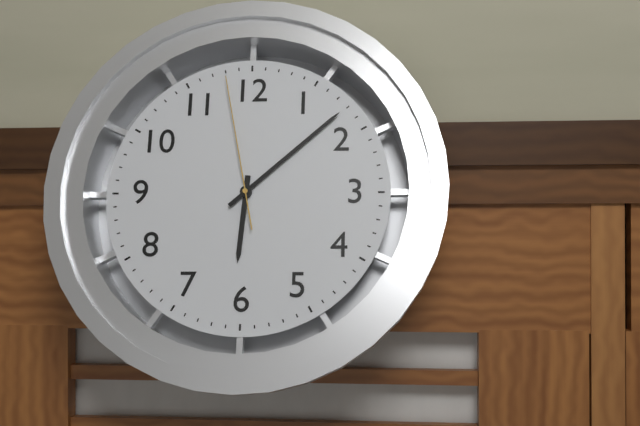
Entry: 6 h 08 min 58 s
